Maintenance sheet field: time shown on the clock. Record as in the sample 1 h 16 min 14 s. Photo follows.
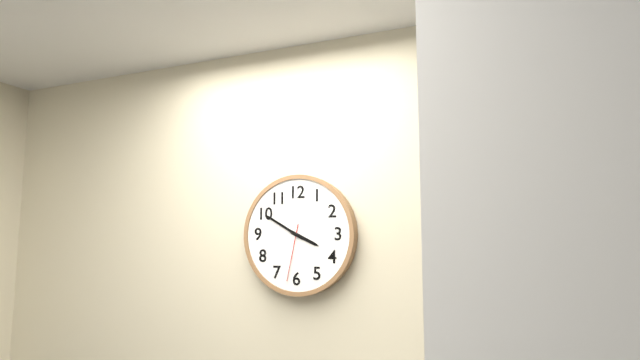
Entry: 3 h 50 min 32 s
